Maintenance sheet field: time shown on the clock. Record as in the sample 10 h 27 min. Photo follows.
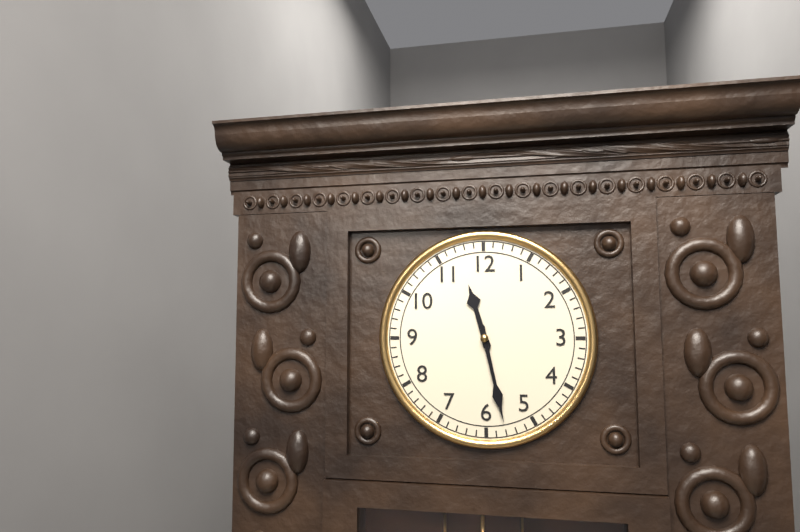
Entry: 11 h 28 min
